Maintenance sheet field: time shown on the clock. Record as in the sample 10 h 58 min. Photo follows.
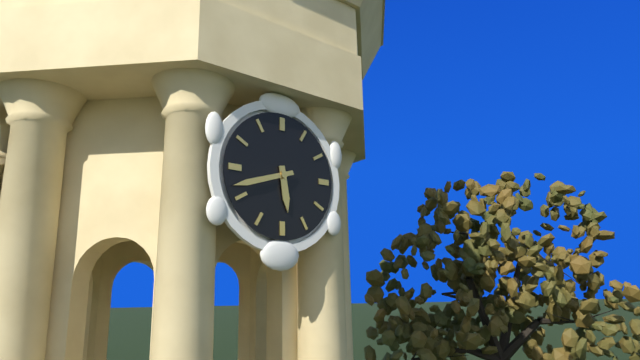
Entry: 5 h 42 min
